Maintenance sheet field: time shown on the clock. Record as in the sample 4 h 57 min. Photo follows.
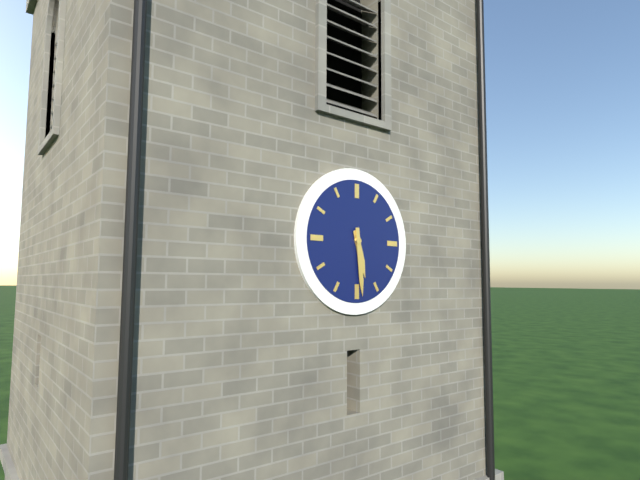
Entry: 5 h 29 min
